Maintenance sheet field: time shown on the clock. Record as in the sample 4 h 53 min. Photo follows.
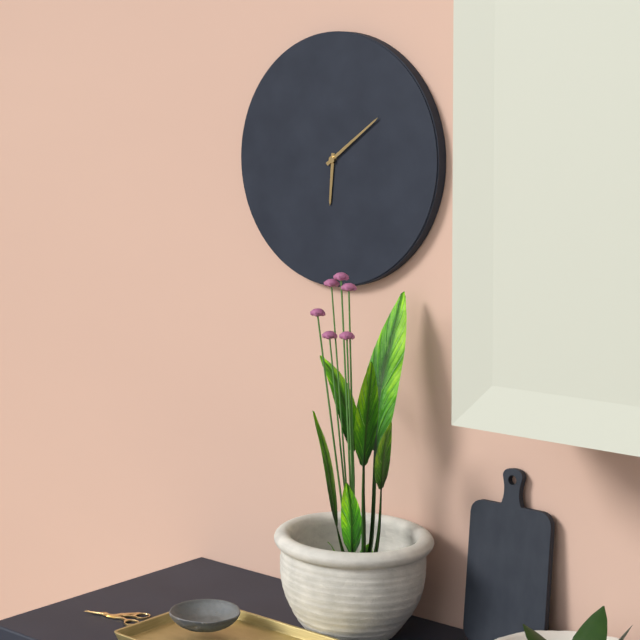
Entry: 6 h 09 min
